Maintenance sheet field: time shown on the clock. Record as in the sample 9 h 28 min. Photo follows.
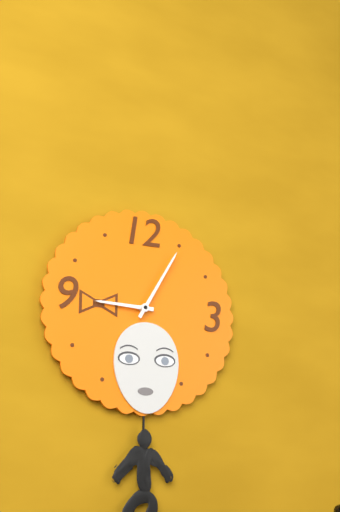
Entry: 9 h 05 min
